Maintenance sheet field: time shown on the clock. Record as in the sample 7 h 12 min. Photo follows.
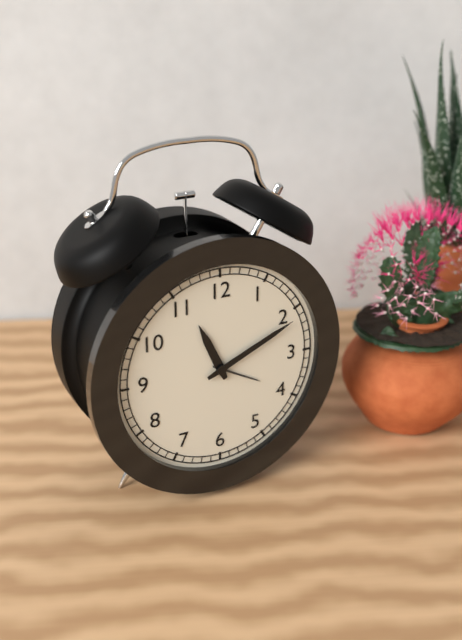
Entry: 11 h 11 min
